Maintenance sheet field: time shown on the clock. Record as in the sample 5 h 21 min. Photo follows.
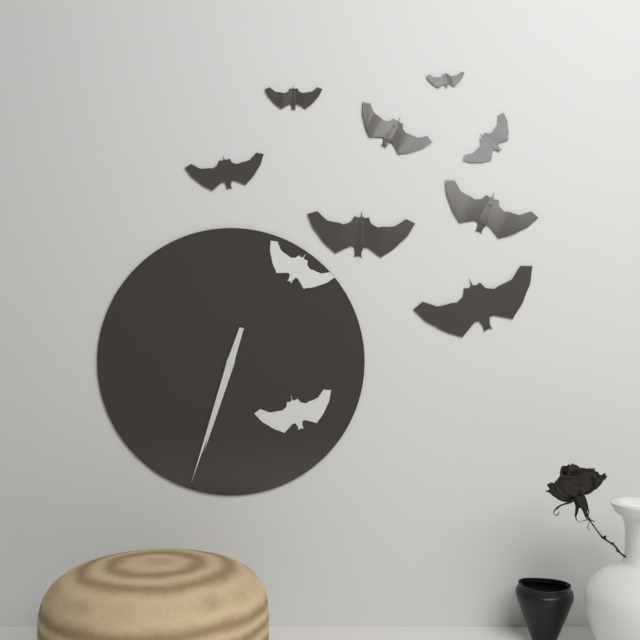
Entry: 6 h 33 min
